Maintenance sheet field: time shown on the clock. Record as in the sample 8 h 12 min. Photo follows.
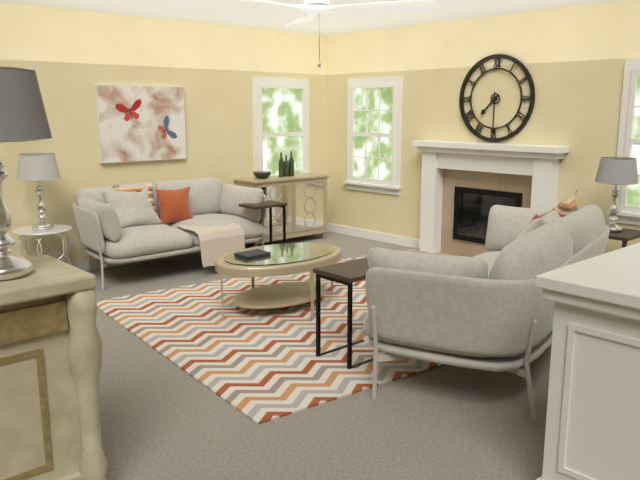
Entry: 7 h 30 min
